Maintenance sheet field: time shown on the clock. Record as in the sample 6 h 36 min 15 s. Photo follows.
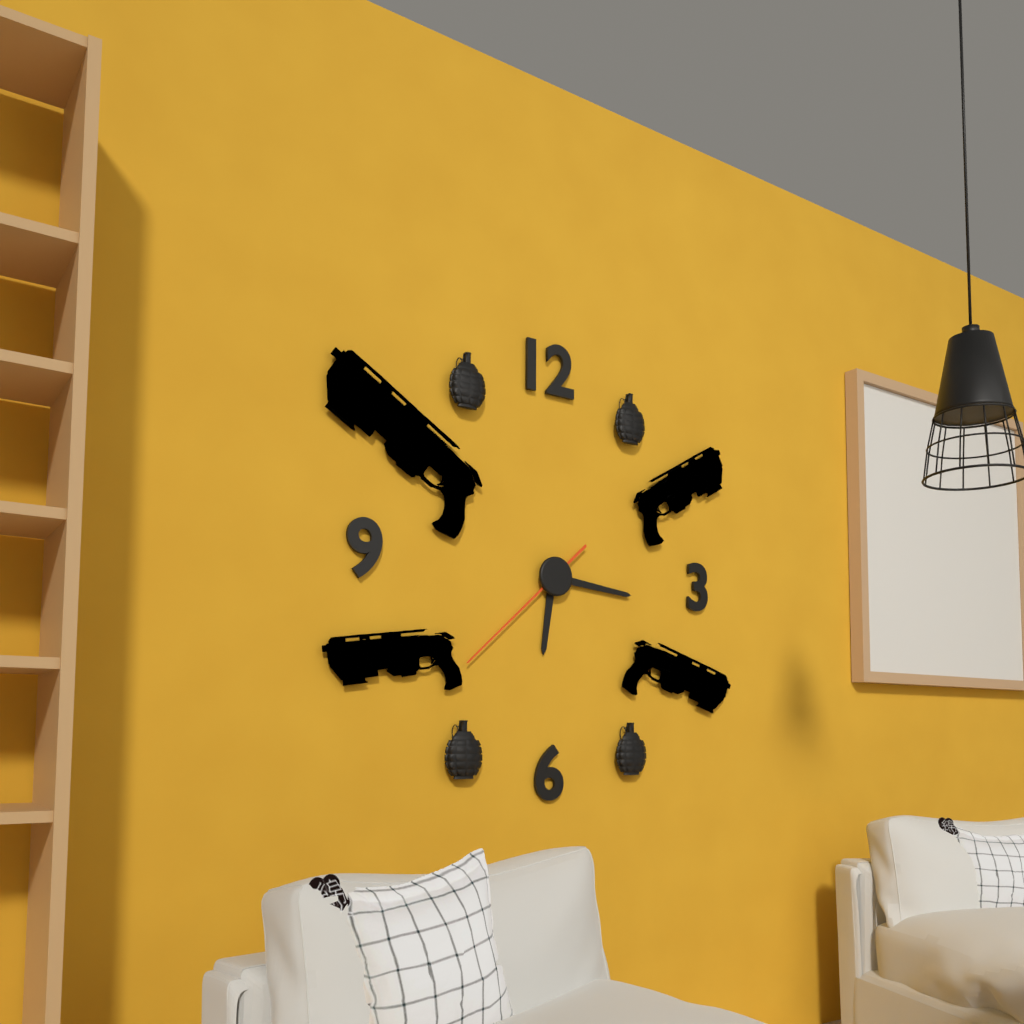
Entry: 6 h 16 min 38 s
